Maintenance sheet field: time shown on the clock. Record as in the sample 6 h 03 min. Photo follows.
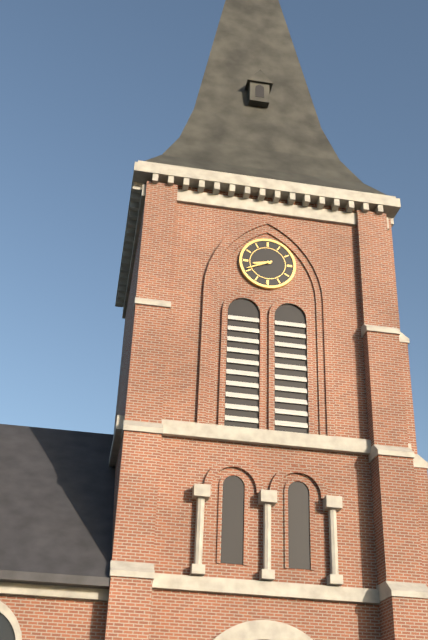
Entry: 8 h 41 min
